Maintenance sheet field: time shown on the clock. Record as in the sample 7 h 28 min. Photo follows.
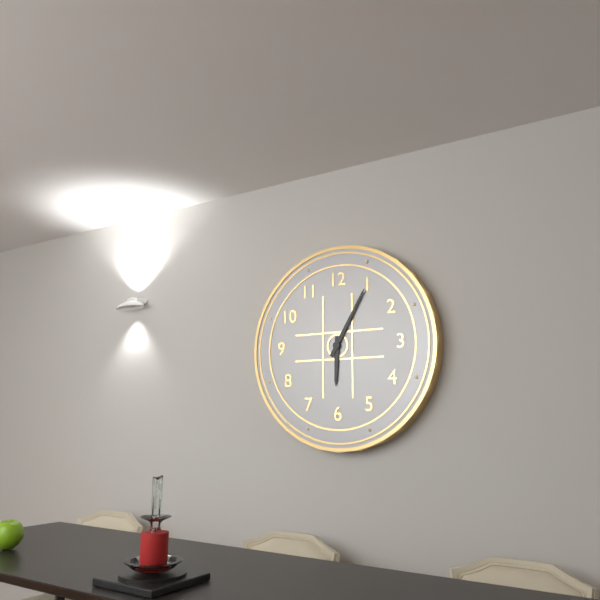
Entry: 6 h 05 min
